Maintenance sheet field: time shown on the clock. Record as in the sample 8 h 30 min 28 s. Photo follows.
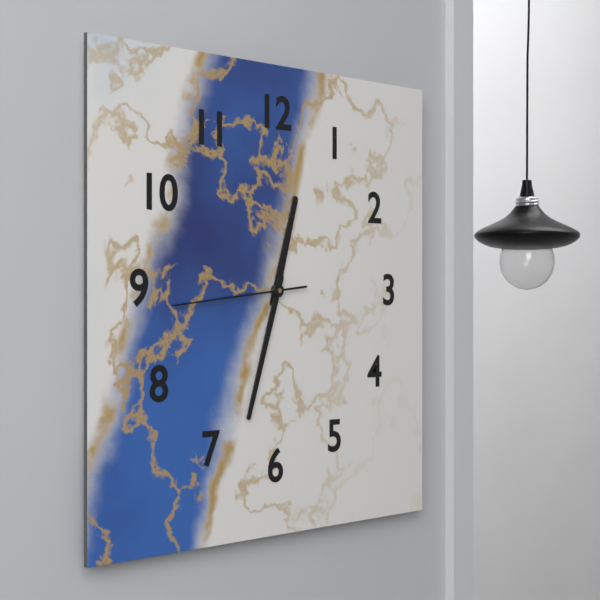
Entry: 12 h 33 min 44 s
